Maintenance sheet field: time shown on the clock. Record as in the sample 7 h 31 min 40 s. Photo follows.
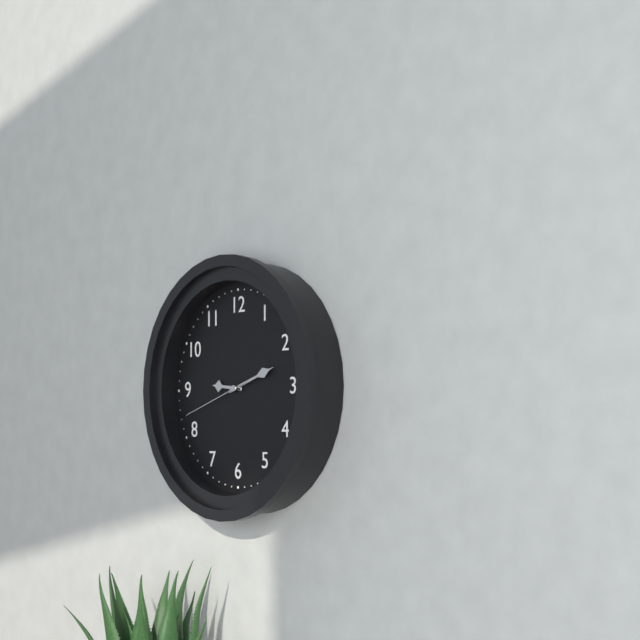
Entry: 9 h 12 min 42 s
